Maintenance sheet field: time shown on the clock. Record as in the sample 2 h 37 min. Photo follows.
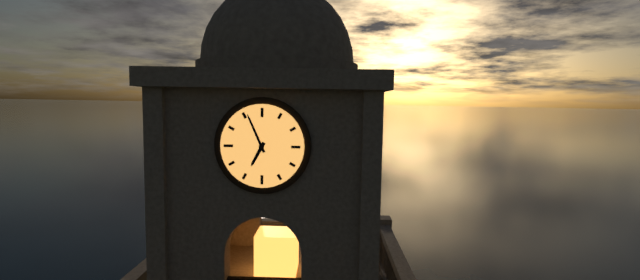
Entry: 6 h 56 min
